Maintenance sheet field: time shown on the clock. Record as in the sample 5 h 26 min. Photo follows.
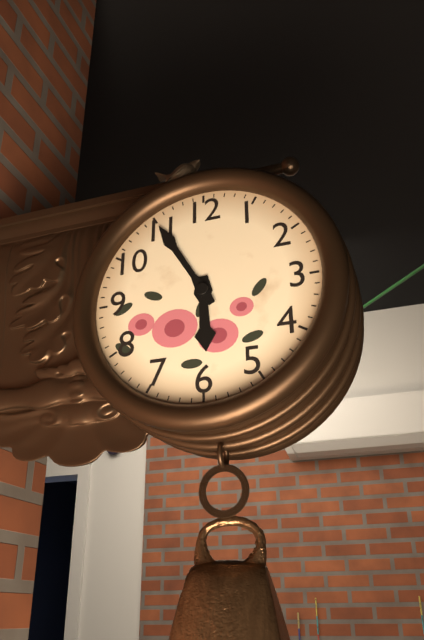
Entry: 5 h 55 min
